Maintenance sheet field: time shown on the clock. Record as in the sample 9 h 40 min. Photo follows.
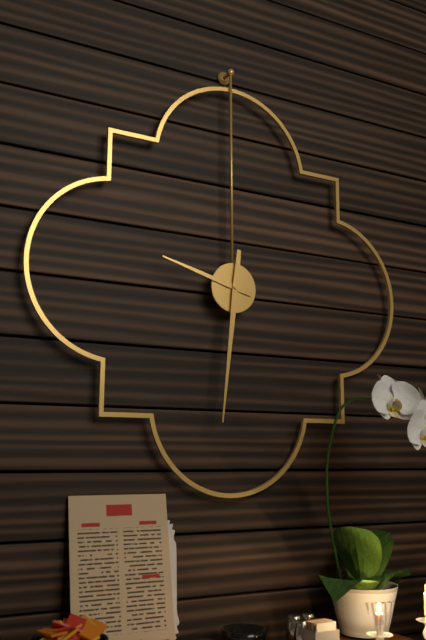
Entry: 9 h 31 min
